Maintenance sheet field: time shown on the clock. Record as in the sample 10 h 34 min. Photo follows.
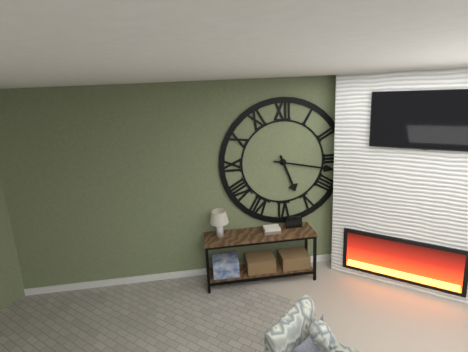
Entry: 5 h 17 min
